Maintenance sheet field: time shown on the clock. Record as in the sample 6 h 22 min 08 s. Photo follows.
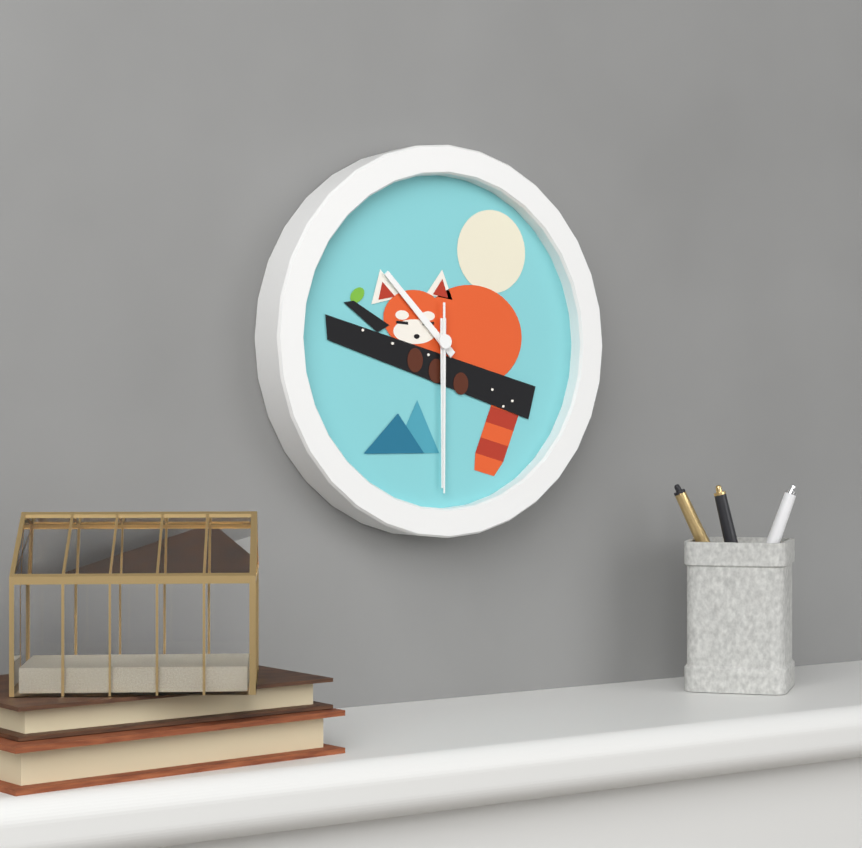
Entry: 10 h 30 min 30 s
